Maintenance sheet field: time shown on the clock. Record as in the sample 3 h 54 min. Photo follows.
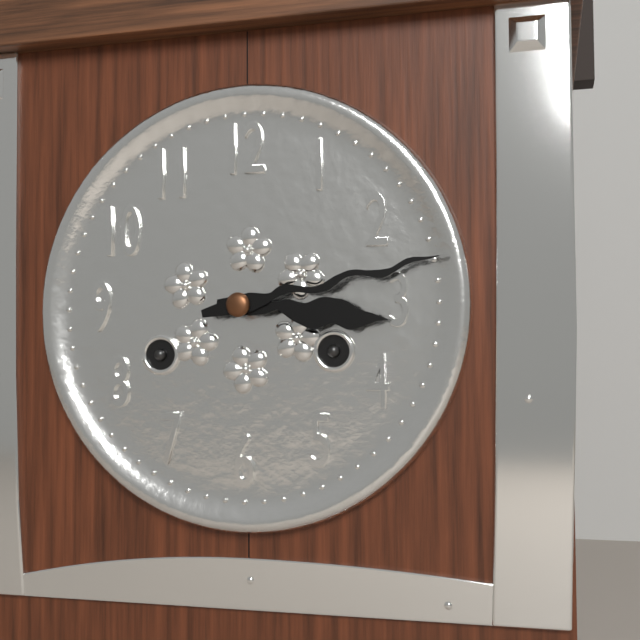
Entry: 3 h 13 min
